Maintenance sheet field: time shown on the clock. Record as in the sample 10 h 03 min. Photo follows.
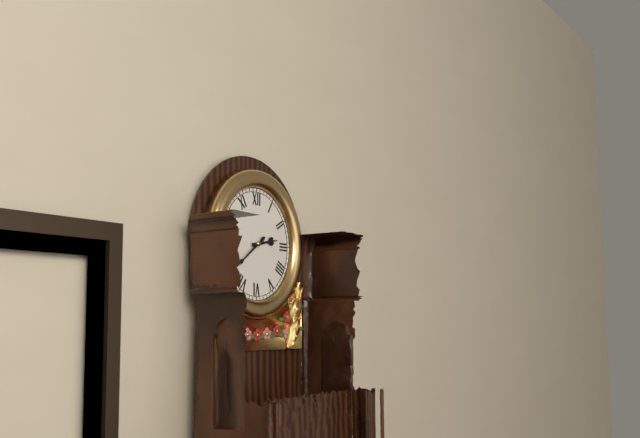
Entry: 2 h 39 min
